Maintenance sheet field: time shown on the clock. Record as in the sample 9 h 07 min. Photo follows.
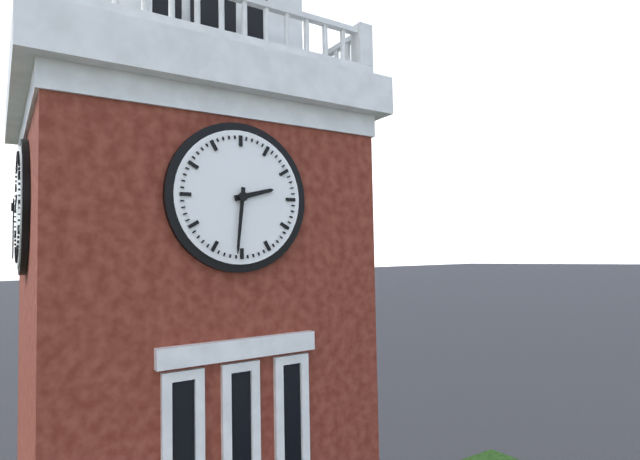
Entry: 2 h 31 min
